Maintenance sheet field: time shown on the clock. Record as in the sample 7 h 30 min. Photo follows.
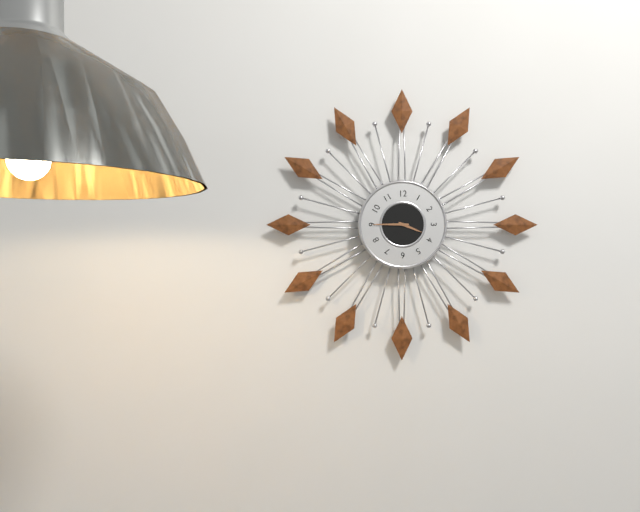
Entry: 3 h 45 min
